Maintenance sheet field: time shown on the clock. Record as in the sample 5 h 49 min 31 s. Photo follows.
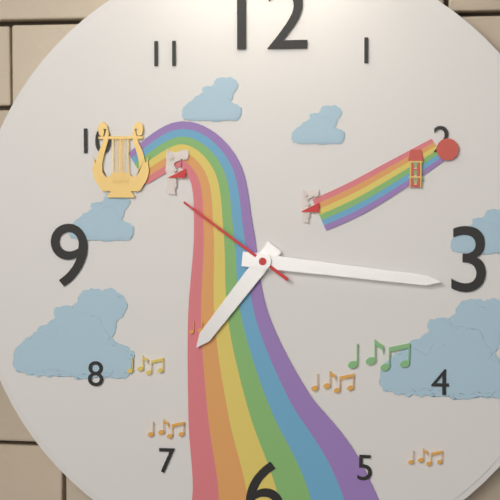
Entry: 7 h 16 min 51 s
